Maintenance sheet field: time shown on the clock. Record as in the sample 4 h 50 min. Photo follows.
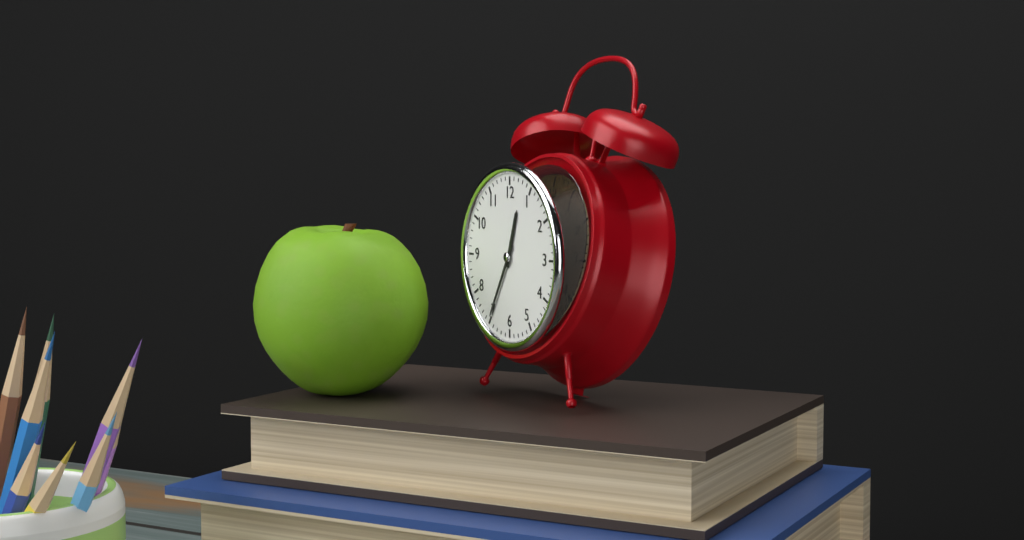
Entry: 12 h 35 min
